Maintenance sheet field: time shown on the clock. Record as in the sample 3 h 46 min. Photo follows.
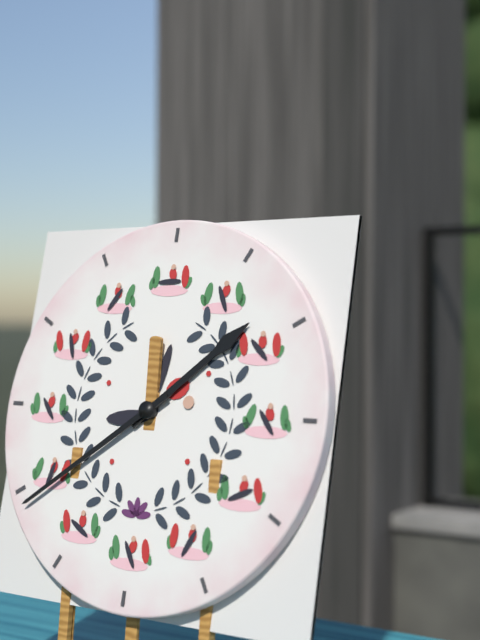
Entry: 1 h 39 min
